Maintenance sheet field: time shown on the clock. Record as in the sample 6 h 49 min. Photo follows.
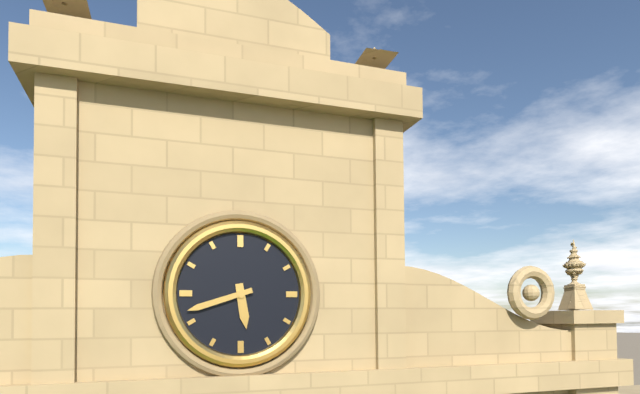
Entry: 5 h 42 min
